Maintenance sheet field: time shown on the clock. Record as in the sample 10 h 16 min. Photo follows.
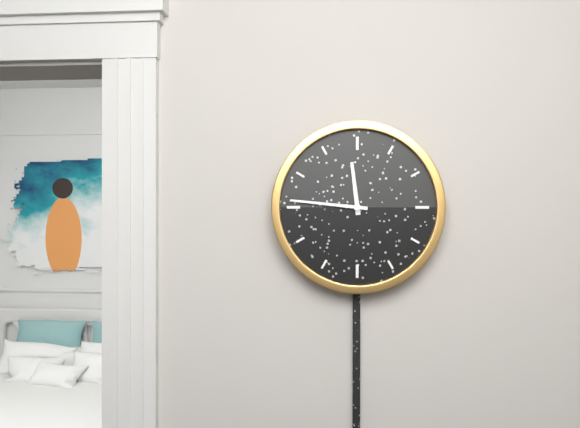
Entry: 11 h 46 min
